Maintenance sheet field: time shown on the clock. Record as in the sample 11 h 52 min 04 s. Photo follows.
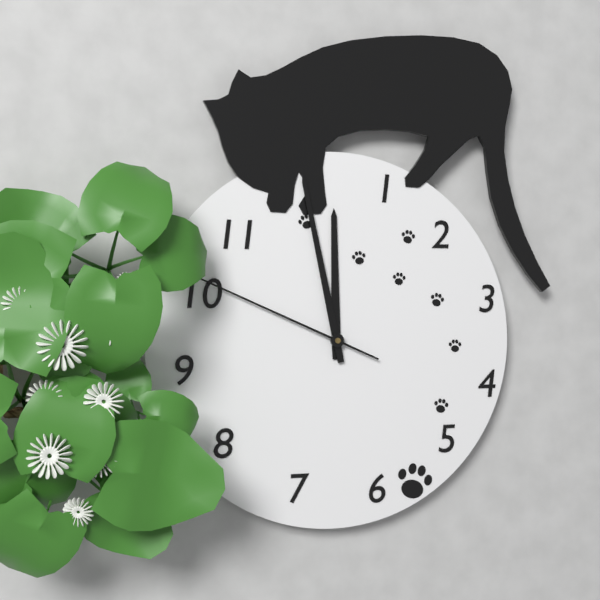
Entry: 11 h 58 min 49 s
